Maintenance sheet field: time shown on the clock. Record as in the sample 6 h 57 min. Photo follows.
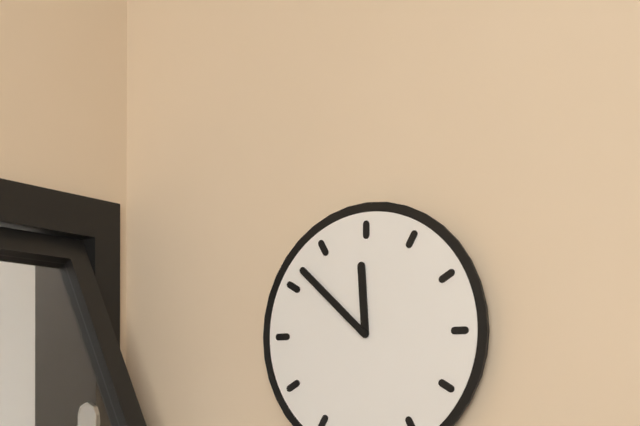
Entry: 11 h 52 min
